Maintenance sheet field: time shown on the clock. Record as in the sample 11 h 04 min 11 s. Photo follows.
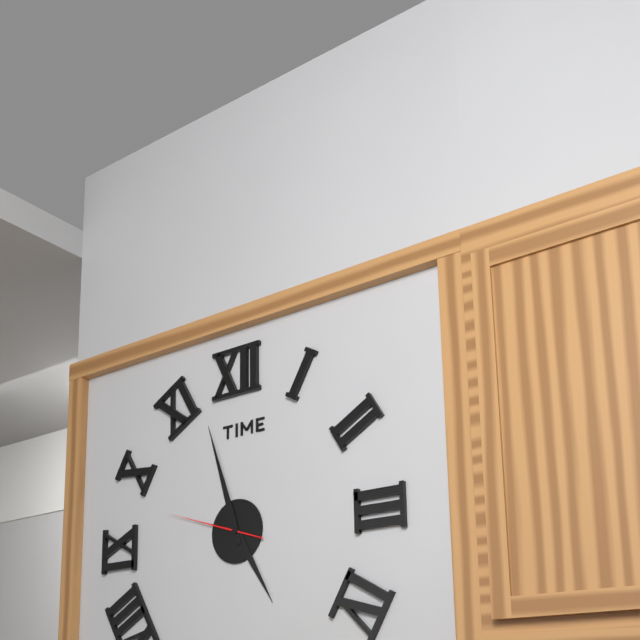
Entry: 4 h 57 min 48 s
